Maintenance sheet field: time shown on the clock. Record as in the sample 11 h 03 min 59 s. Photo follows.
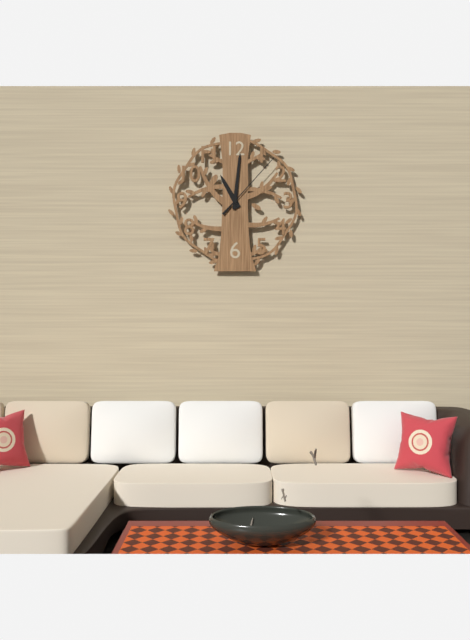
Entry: 11 h 01 min 07 s
